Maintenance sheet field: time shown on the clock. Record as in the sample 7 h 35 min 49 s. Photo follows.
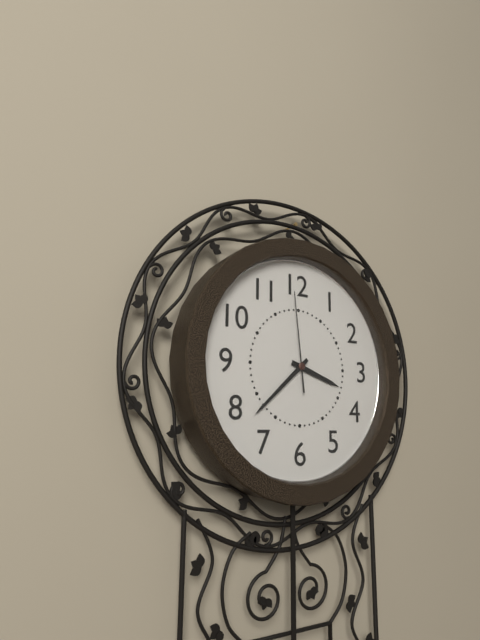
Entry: 3 h 38 min 59 s
